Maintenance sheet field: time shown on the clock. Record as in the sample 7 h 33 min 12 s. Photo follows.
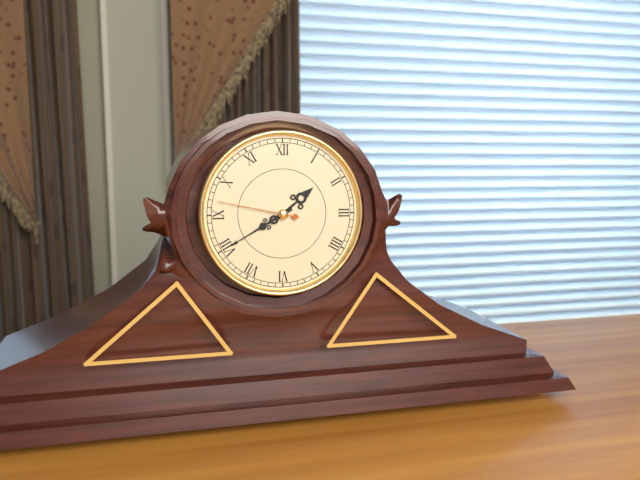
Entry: 1 h 40 min 47 s
